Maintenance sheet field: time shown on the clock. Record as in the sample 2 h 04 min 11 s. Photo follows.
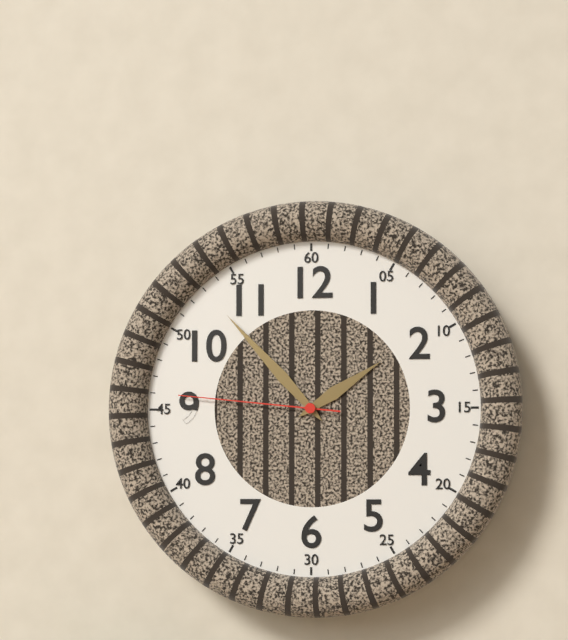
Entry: 1 h 53 min 46 s
